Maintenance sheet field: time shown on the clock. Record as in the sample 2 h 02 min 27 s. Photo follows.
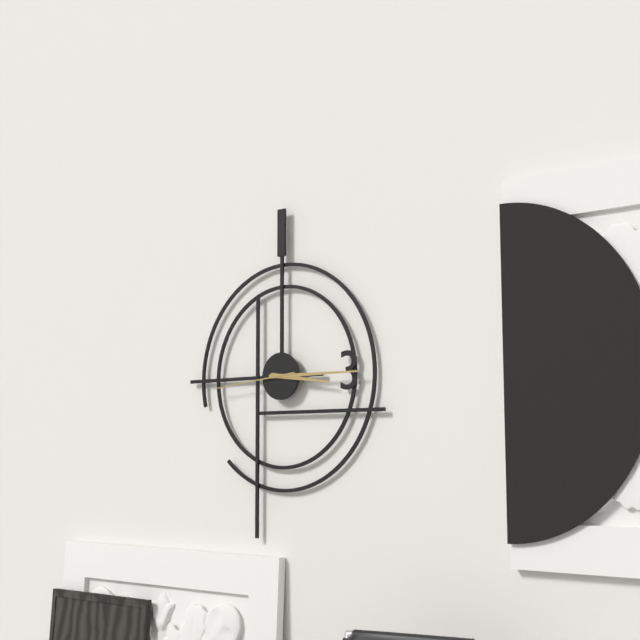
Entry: 3 h 15 min 44 s
